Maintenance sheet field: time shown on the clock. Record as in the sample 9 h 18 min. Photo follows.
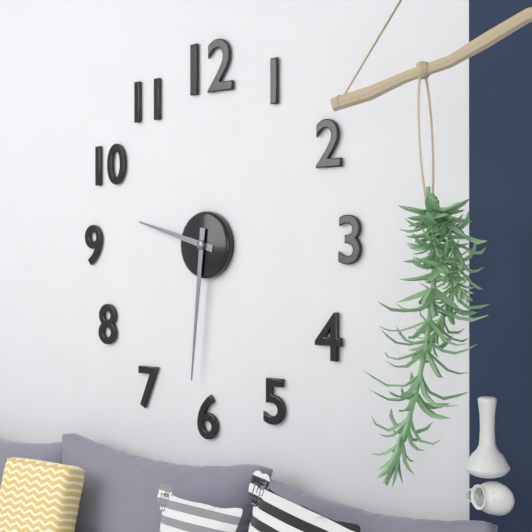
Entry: 9 h 31 min
